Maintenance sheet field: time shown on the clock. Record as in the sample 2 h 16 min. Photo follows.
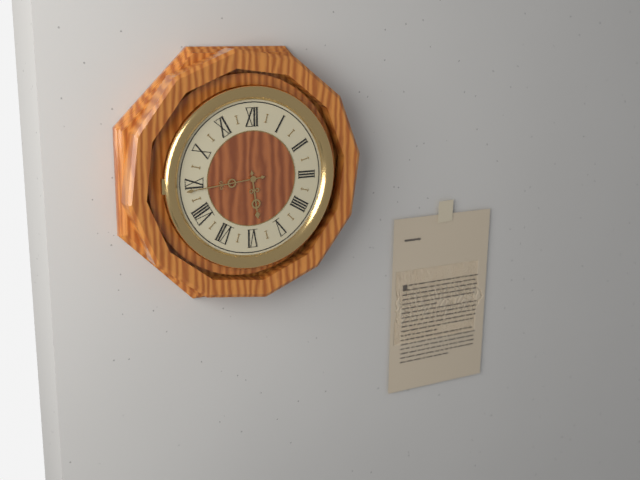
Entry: 5 h 44 min
